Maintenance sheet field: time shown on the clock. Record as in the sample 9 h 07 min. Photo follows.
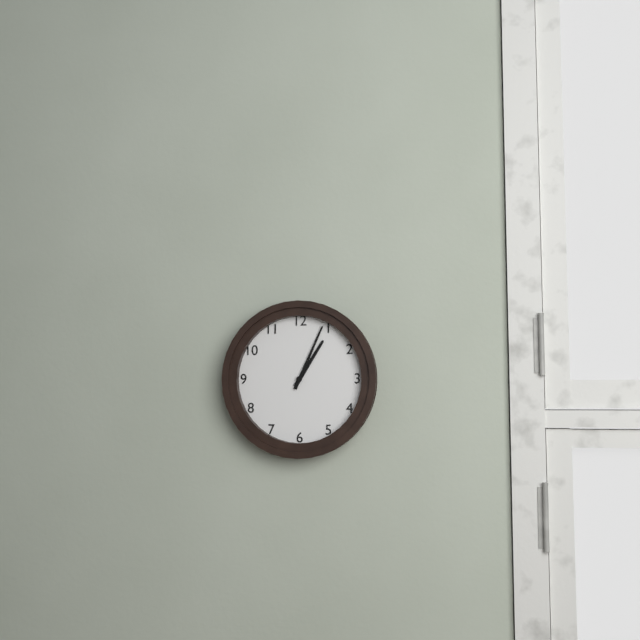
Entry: 1 h 04 min
